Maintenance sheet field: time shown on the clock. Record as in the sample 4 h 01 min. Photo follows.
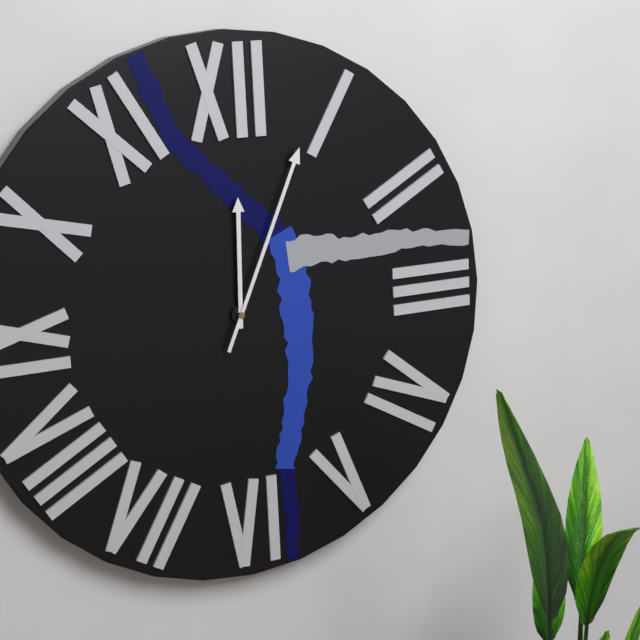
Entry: 12 h 04 min
